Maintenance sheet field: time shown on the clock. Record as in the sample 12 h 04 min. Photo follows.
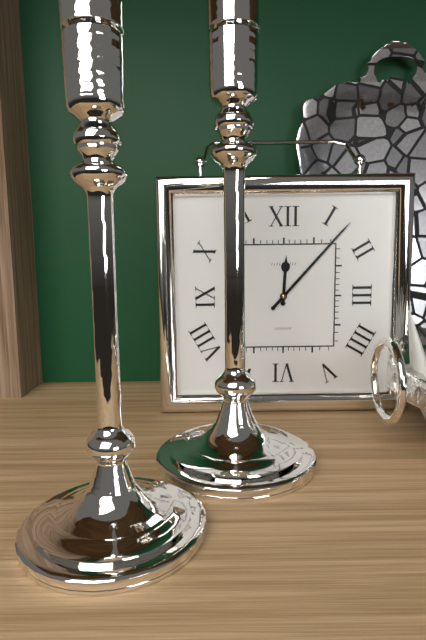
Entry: 12 h 07 min
